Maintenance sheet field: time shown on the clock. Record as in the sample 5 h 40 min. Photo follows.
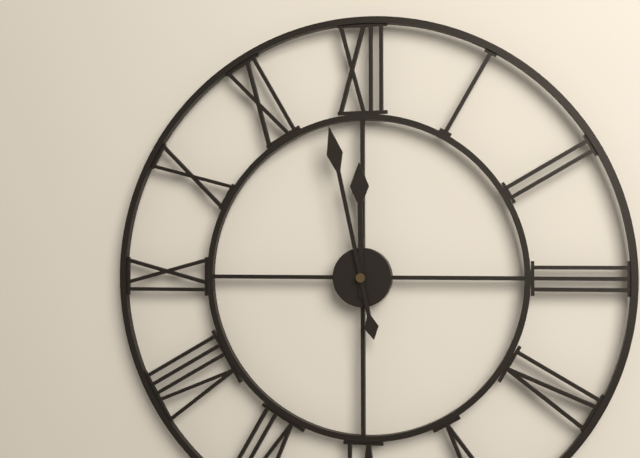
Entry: 11 h 58 min
